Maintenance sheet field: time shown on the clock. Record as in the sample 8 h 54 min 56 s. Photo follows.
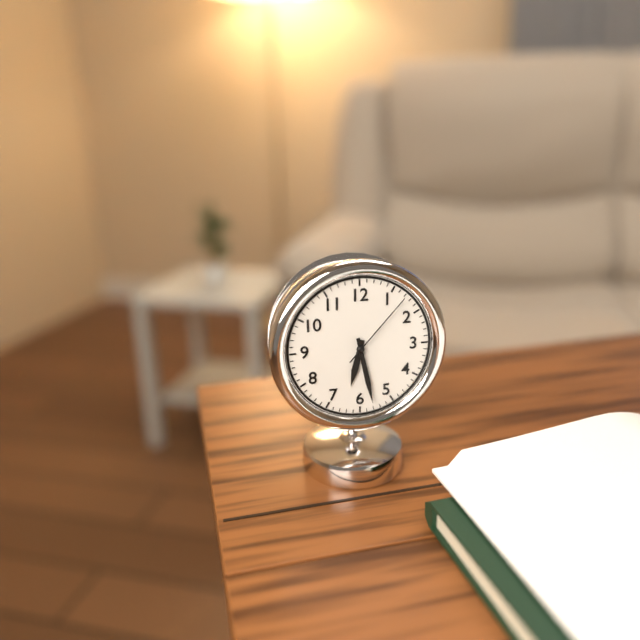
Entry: 6 h 28 min 07 s
